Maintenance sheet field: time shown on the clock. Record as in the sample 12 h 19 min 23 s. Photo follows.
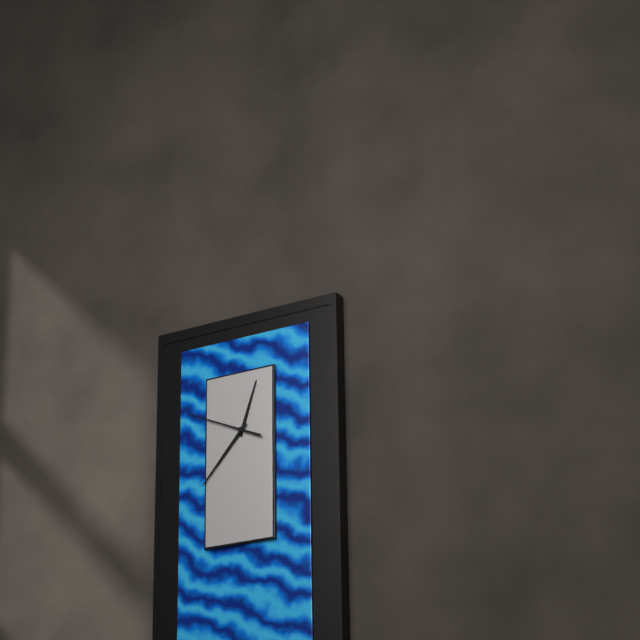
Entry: 12 h 37 min 49 s
